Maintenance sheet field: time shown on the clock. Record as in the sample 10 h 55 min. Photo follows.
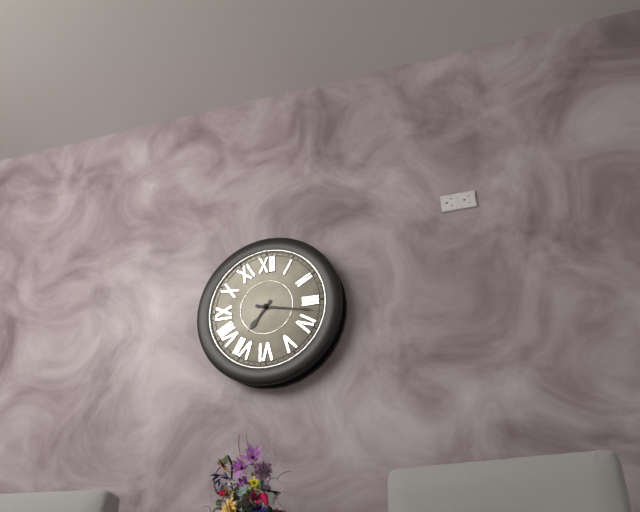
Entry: 7 h 17 min
